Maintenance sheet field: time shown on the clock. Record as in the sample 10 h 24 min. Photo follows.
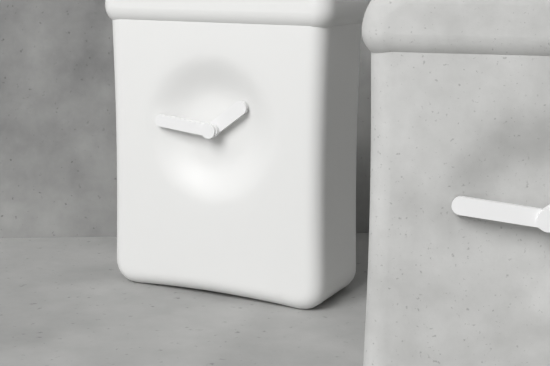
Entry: 1 h 46 min
